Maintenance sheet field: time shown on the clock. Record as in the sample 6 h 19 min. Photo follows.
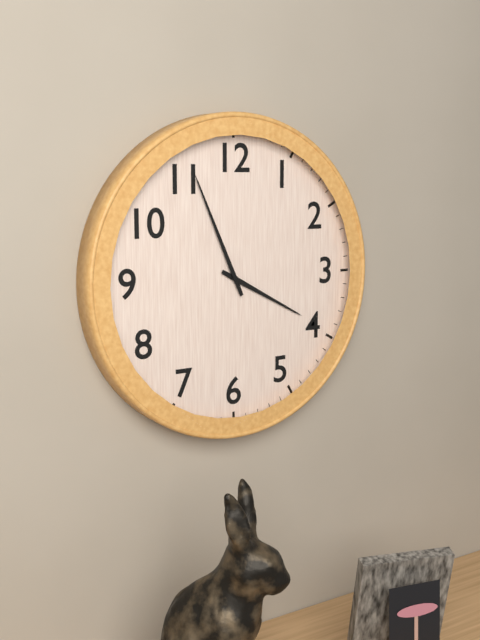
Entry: 3 h 56 min
